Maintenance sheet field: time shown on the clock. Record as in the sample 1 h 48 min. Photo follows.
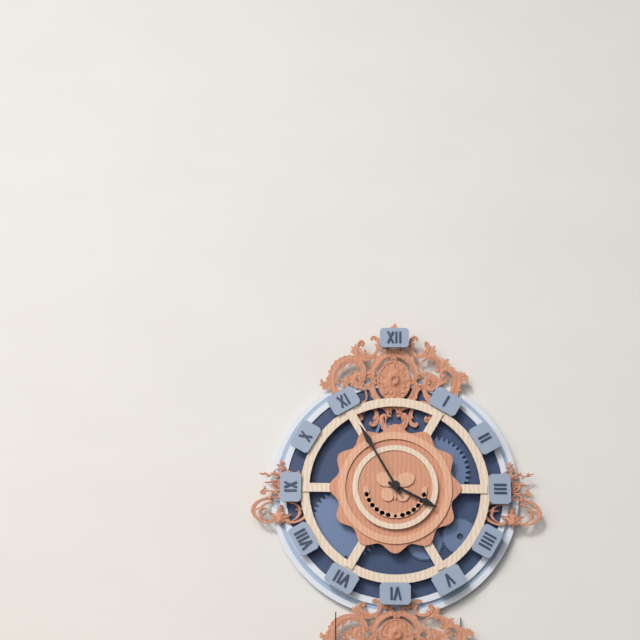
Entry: 3 h 55 min
